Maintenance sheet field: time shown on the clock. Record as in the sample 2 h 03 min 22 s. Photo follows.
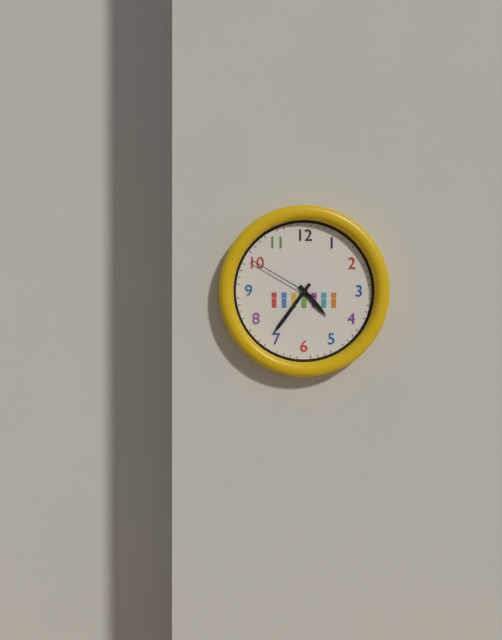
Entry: 4 h 36 min 50 s
